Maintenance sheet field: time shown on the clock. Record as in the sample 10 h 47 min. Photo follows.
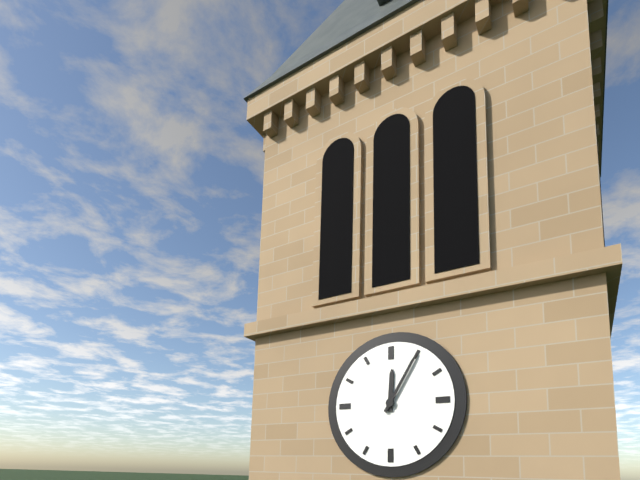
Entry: 12 h 05 min
